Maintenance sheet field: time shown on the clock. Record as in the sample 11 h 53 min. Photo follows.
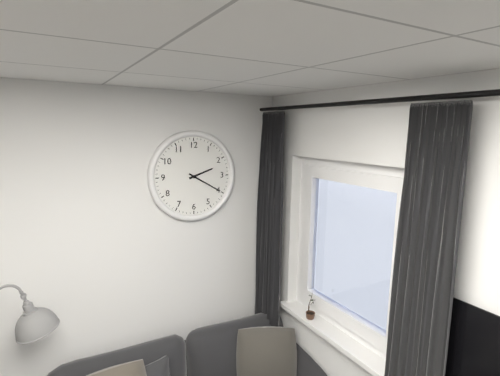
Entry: 2 h 20 min
